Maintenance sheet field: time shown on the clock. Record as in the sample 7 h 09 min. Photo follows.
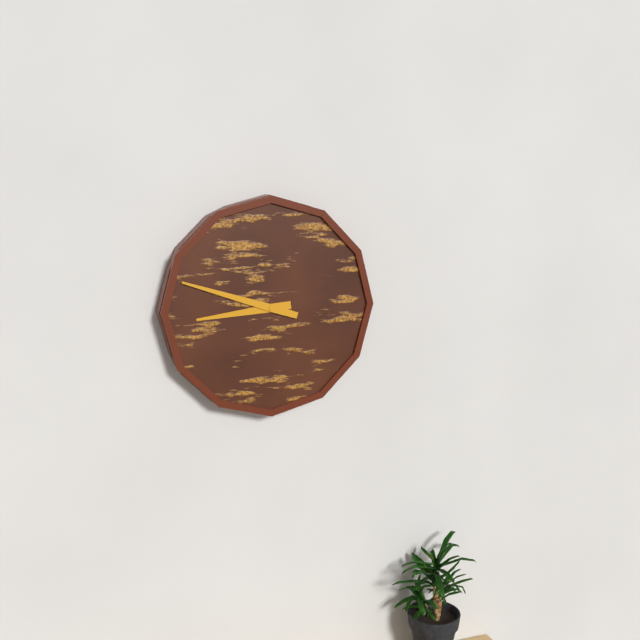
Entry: 8 h 48 min
